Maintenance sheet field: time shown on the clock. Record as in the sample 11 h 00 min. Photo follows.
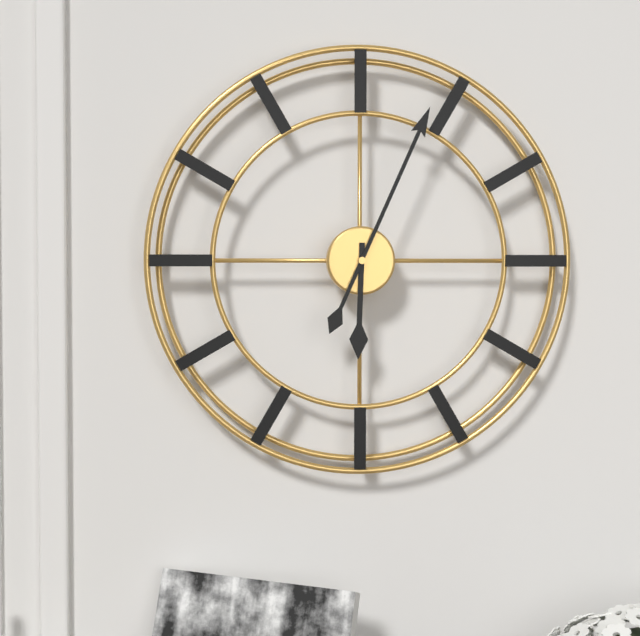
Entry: 6 h 04 min
